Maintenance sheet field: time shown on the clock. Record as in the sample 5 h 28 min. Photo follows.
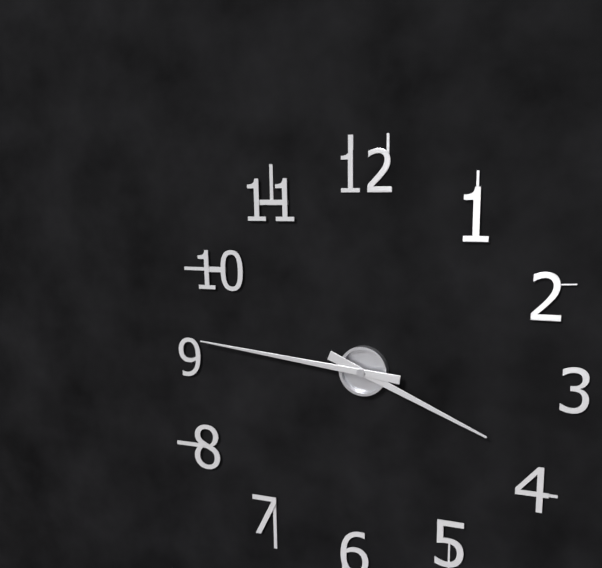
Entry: 3 h 46 min
